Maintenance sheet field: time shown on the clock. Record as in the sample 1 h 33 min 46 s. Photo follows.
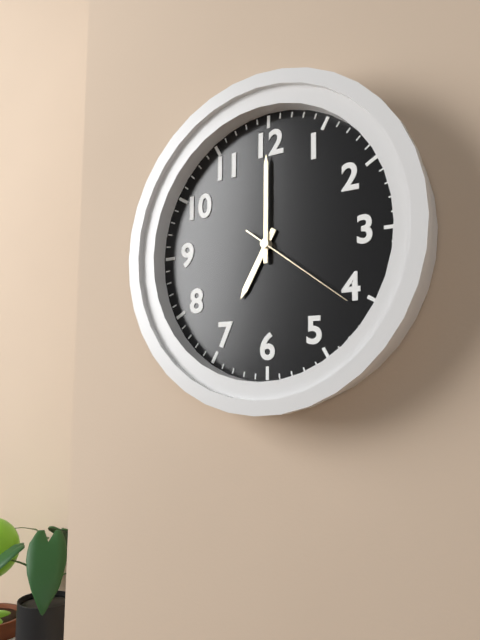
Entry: 7 h 00 min 21 s
